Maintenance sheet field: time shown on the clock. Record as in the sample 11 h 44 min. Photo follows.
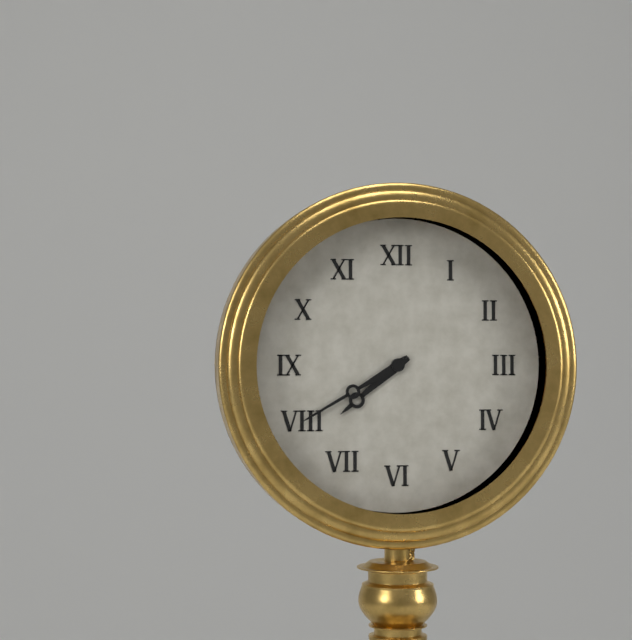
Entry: 7 h 40 min
